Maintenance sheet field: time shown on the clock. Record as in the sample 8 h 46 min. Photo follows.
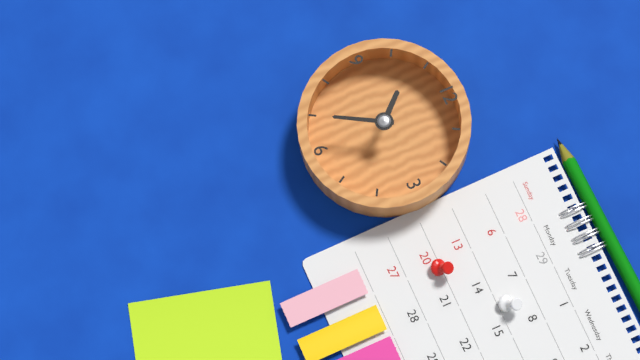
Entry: 10 h 35 min
